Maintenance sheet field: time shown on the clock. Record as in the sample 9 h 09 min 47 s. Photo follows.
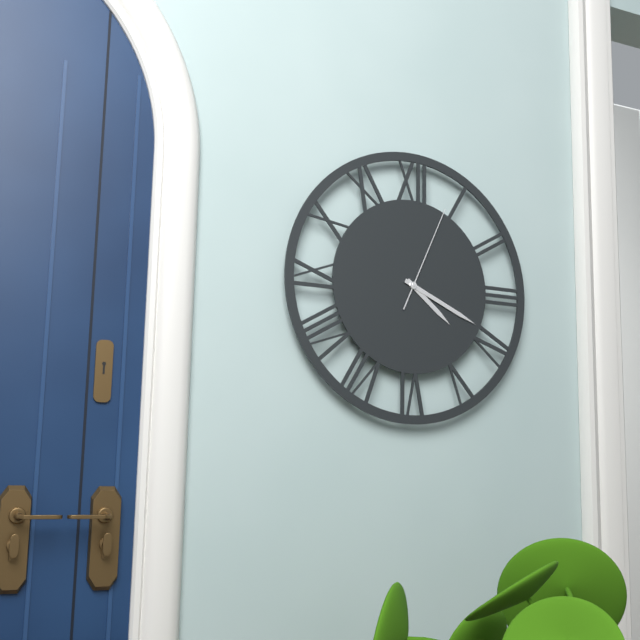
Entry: 4 h 19 min 04 s
